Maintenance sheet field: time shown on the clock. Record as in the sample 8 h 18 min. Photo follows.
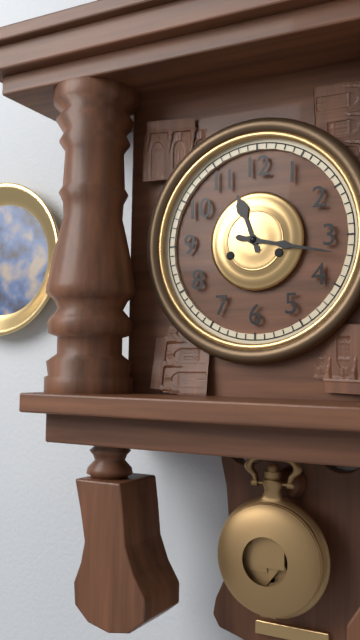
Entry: 11 h 17 min
